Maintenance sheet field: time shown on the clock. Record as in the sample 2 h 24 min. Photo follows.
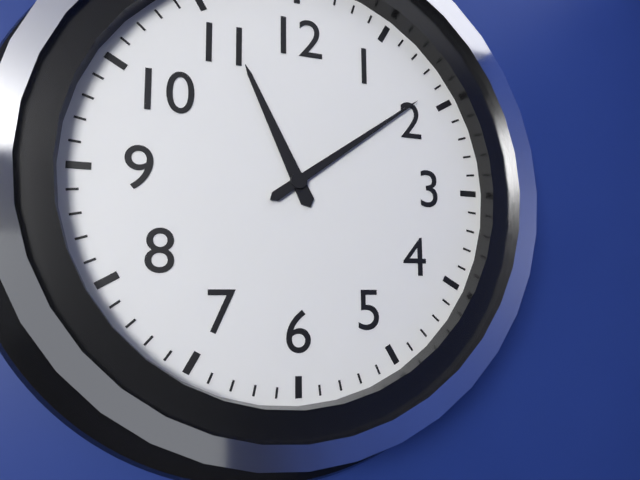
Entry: 11 h 09 min
